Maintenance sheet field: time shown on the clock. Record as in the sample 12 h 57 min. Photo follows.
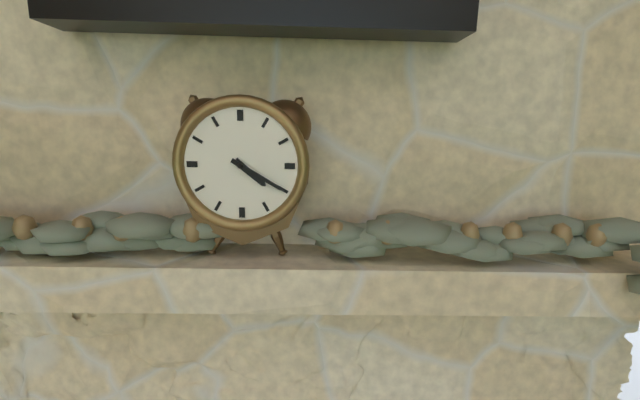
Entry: 4 h 20 min
